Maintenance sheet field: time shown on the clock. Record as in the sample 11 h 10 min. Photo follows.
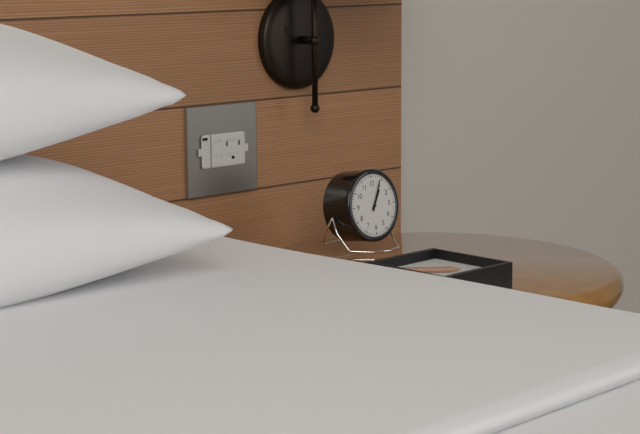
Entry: 1 h 04 min
